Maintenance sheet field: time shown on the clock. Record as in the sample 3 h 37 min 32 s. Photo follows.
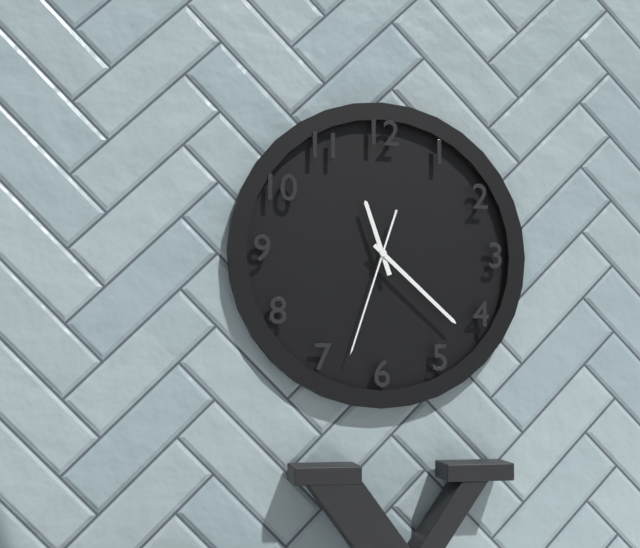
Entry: 11 h 22 min 33 s
